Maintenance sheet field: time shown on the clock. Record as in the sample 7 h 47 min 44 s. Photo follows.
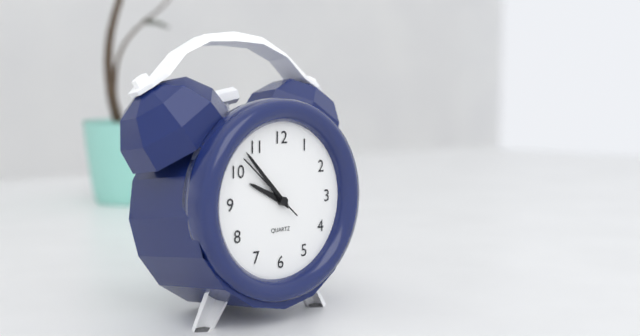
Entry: 9 h 53 min 52 s
